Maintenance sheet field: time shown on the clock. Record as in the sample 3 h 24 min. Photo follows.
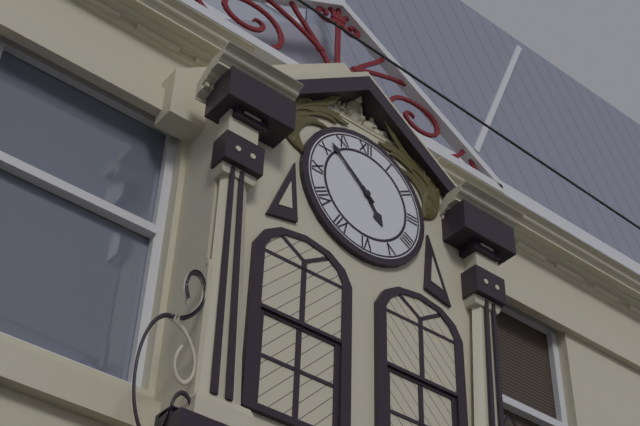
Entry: 4 h 52 min
